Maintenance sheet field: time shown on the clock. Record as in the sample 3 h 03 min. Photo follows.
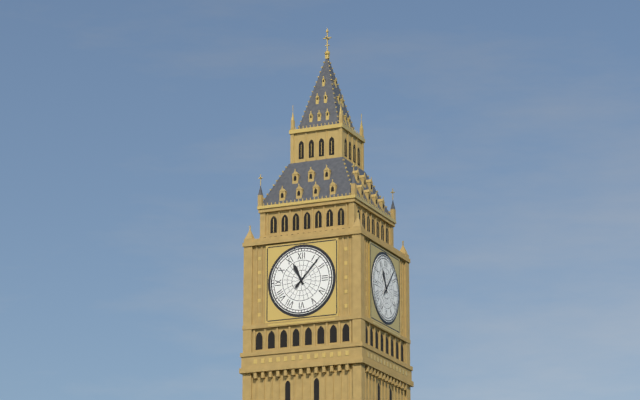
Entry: 11 h 07 min
